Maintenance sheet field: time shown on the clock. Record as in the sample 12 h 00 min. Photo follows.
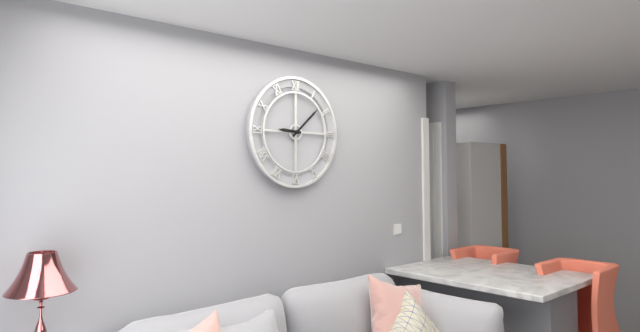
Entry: 9 h 08 min
